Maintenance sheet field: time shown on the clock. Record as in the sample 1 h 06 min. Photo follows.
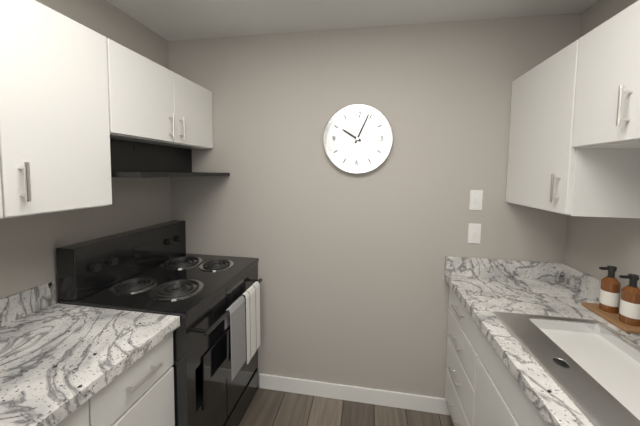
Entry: 10 h 04 min
